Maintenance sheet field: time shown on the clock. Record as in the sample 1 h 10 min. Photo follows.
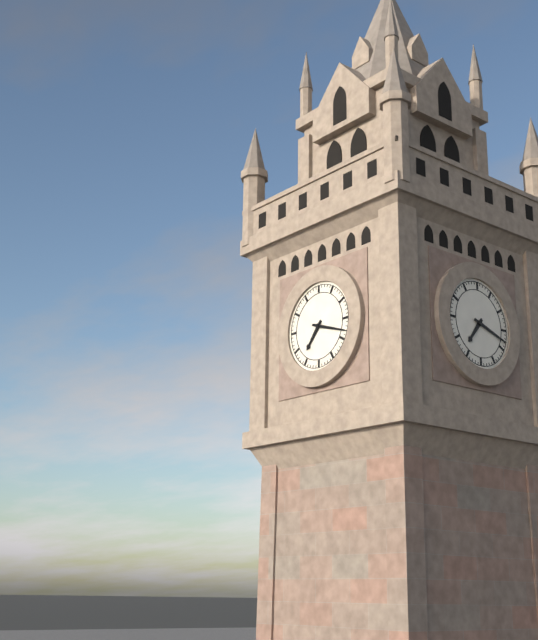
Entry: 7 h 18 min
